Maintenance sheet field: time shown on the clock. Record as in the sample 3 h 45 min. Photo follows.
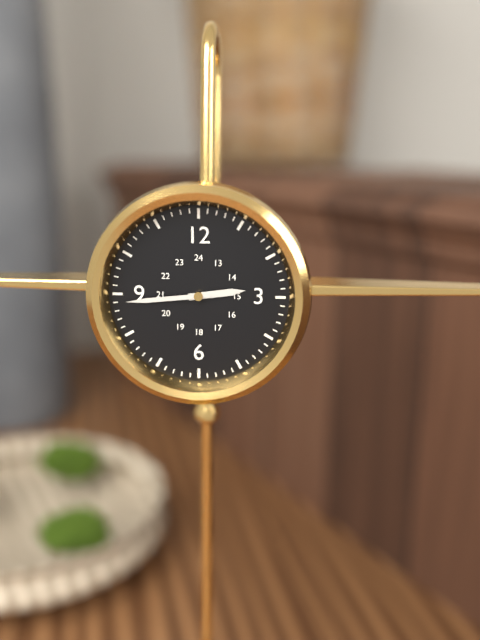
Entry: 2 h 44 min
